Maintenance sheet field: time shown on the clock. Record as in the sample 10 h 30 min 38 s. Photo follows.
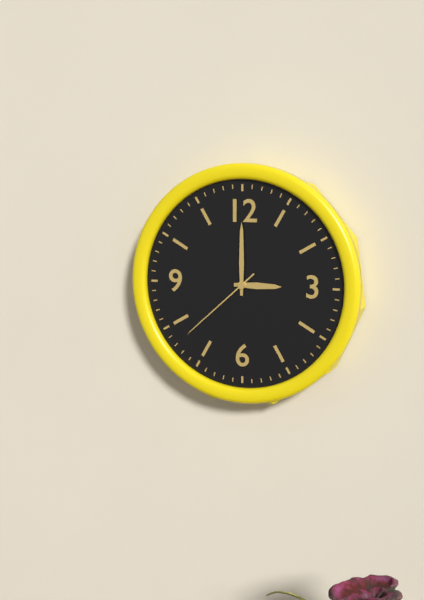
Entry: 3 h 00 min 38 s
